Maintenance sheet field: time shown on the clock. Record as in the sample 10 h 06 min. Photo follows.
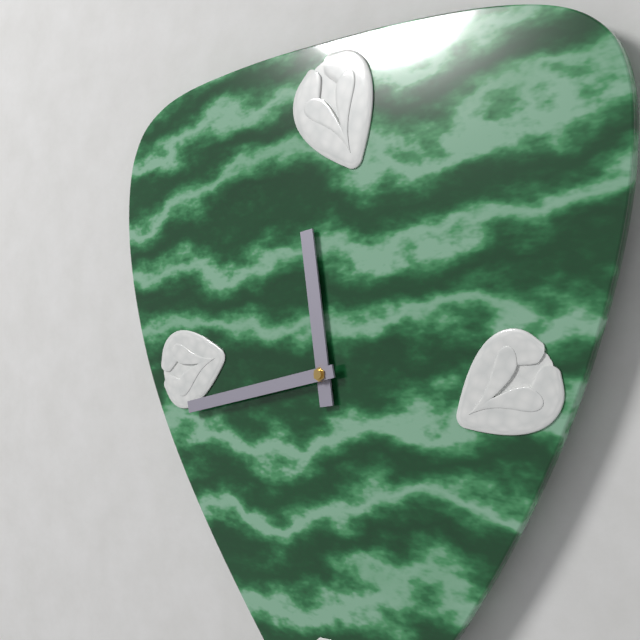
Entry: 11 h 43 min
